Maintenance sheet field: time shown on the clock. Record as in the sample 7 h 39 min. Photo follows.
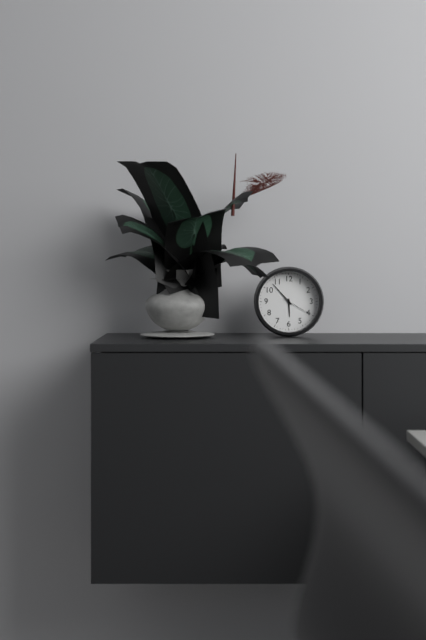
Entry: 5 h 53 min
